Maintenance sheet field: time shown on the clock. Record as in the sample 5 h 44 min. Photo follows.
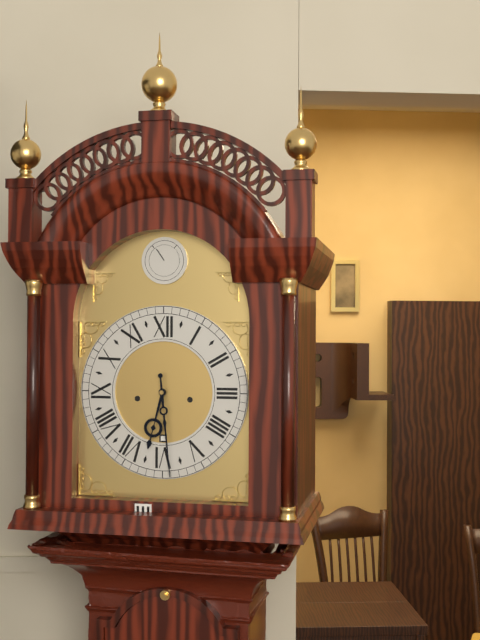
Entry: 6 h 29 min
